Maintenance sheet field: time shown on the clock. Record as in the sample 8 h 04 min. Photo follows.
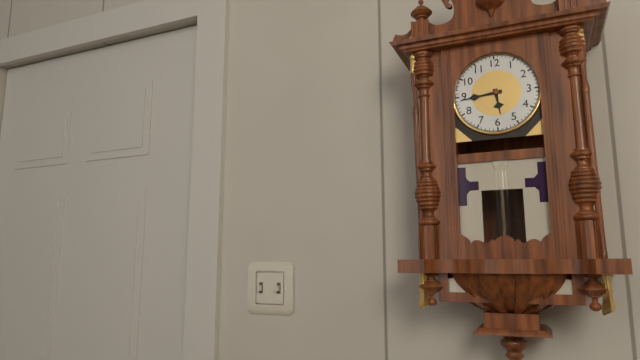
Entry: 5 h 44 min
